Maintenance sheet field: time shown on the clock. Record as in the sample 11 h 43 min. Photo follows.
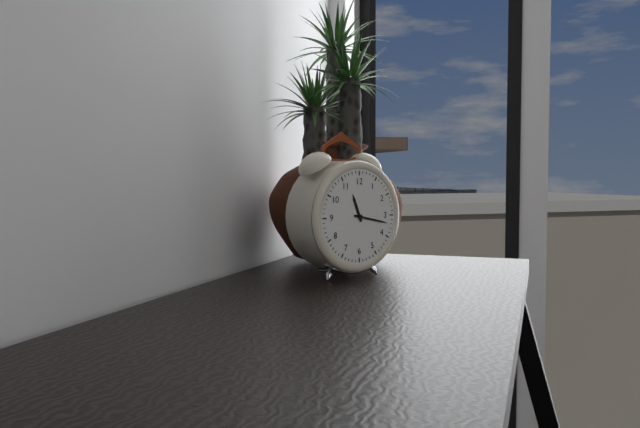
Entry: 11 h 17 min
